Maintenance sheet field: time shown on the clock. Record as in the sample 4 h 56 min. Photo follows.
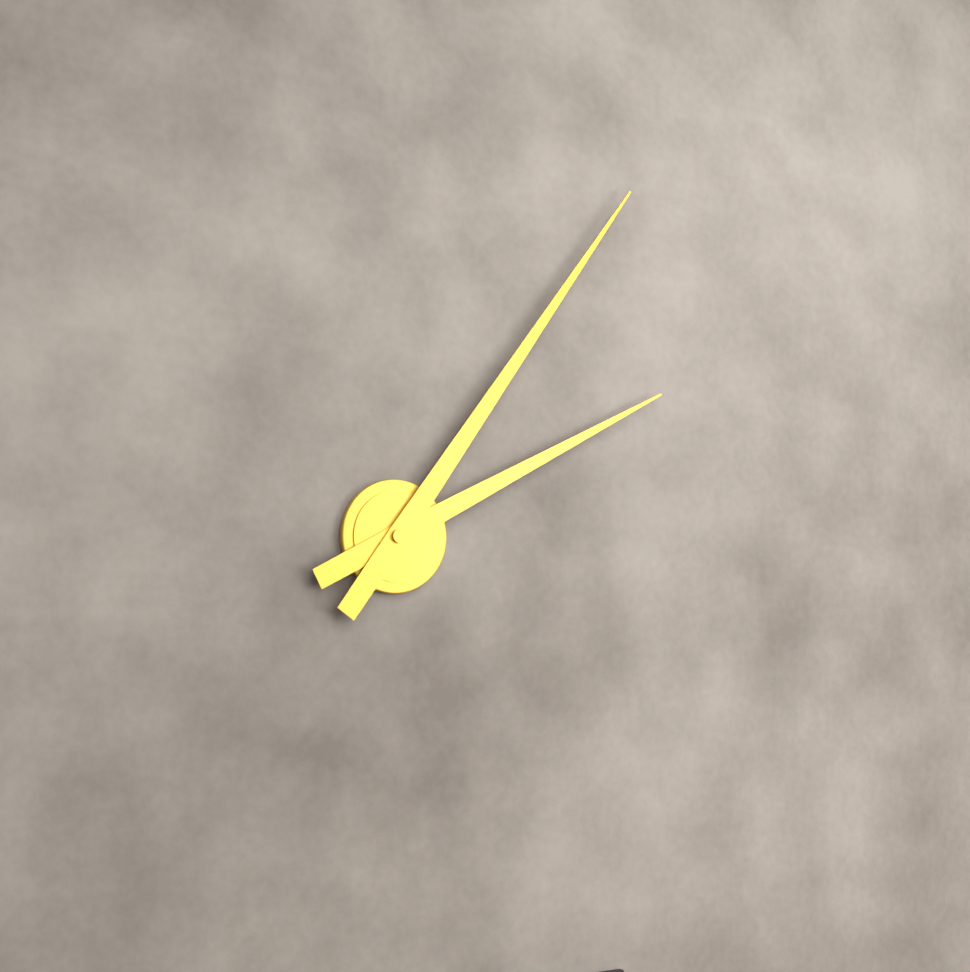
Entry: 2 h 06 min
